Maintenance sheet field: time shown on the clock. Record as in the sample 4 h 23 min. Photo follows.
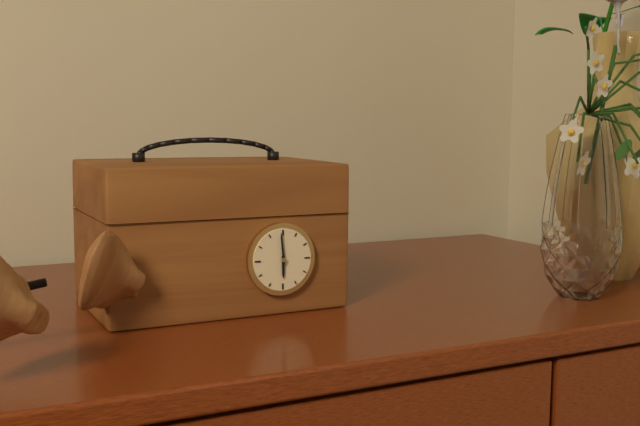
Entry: 5 h 59 min
